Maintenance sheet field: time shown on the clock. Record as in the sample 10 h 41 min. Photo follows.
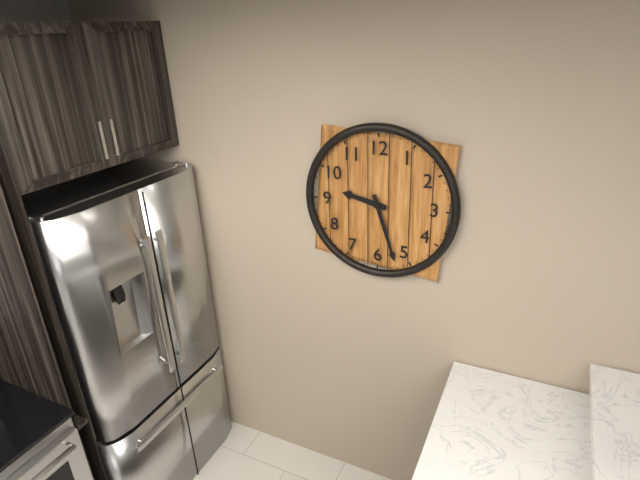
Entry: 9 h 27 min
